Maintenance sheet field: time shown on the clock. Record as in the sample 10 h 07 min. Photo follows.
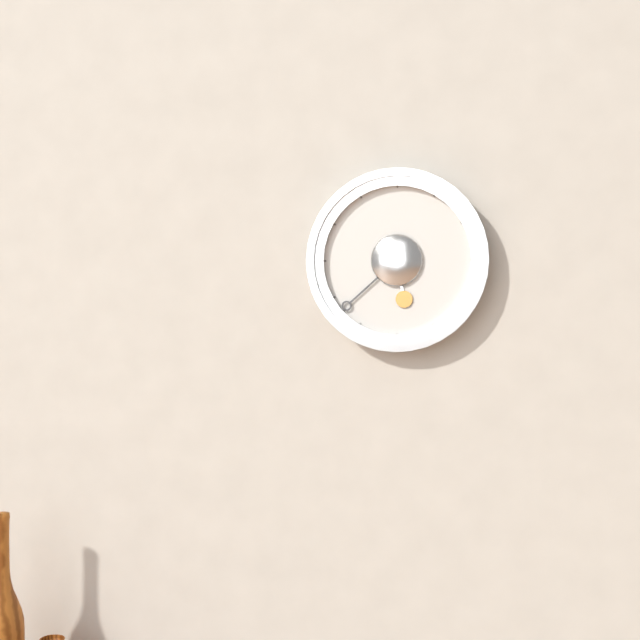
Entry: 5 h 38 min
